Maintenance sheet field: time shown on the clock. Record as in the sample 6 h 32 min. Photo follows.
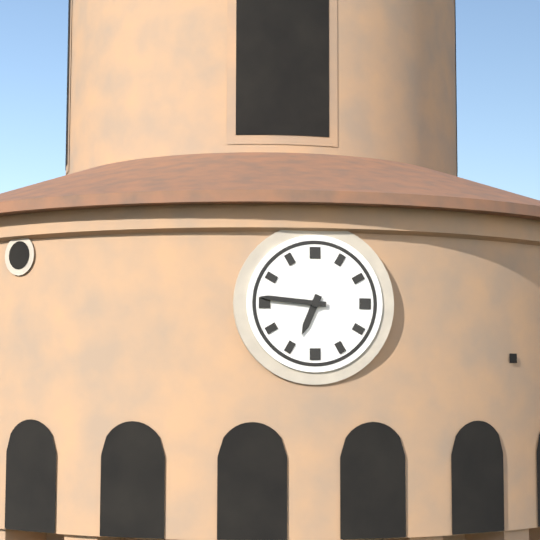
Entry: 6 h 46 min
